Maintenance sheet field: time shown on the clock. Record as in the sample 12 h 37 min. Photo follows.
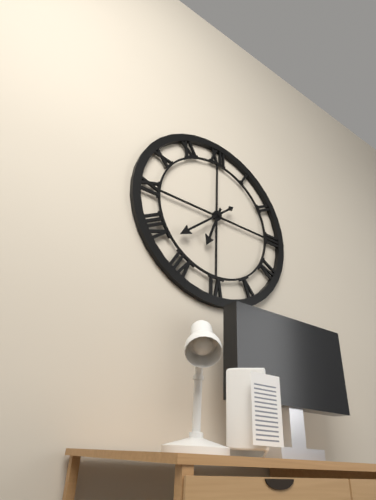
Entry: 6 h 38 min
